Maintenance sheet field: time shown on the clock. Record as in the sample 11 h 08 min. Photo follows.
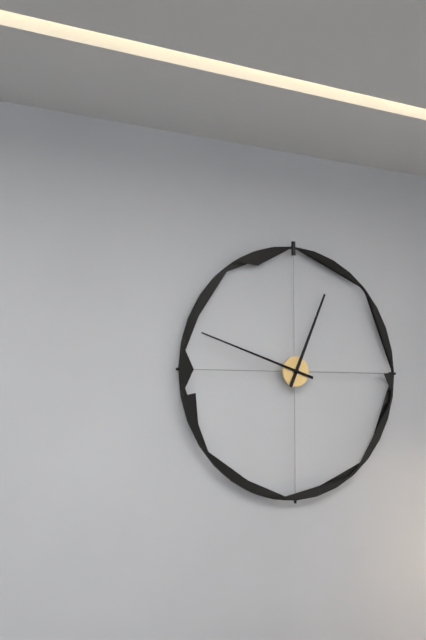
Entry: 12 h 48 min
